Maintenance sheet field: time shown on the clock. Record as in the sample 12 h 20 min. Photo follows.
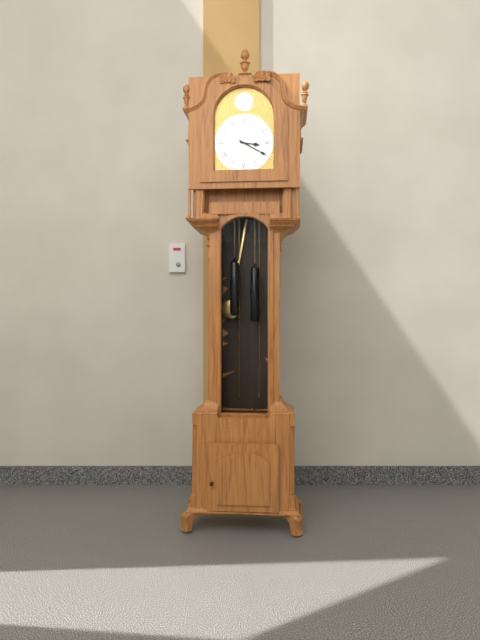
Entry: 3 h 20 min
